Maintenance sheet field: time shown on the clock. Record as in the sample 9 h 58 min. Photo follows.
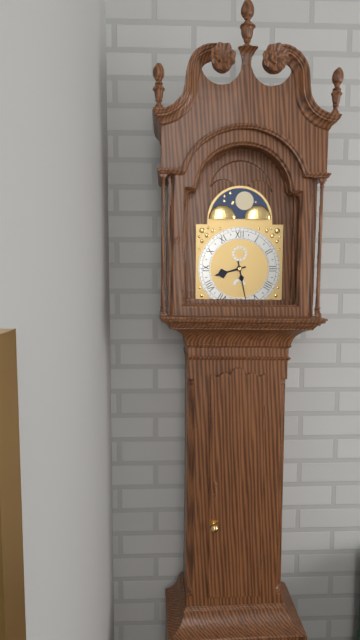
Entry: 8 h 28 min
